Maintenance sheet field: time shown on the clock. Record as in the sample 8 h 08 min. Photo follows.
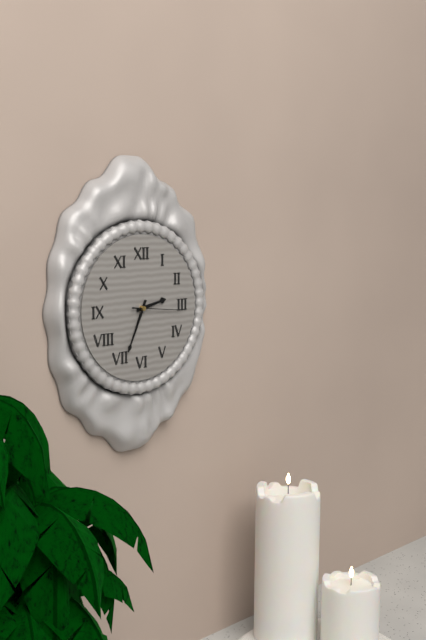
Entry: 2 h 34 min
